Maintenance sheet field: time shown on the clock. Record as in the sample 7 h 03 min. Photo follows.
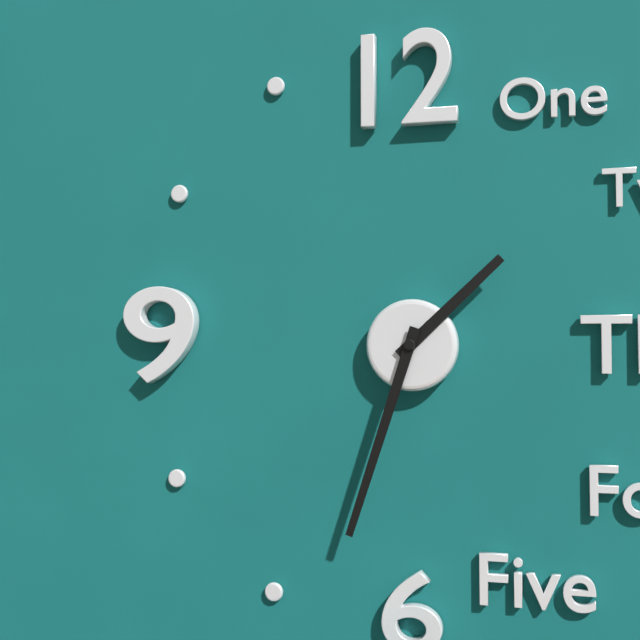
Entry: 1 h 33 min
